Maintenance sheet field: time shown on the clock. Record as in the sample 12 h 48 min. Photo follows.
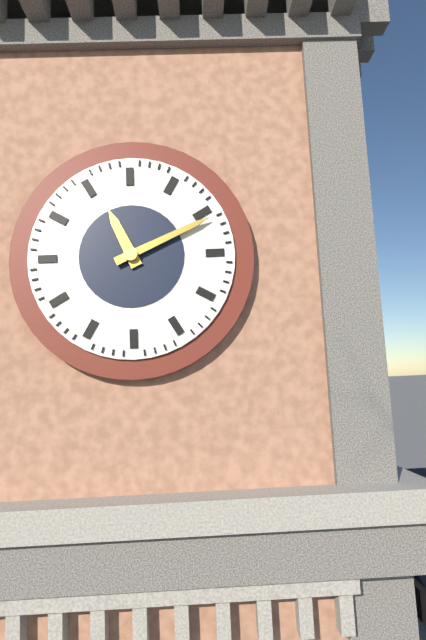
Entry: 11 h 11 min
